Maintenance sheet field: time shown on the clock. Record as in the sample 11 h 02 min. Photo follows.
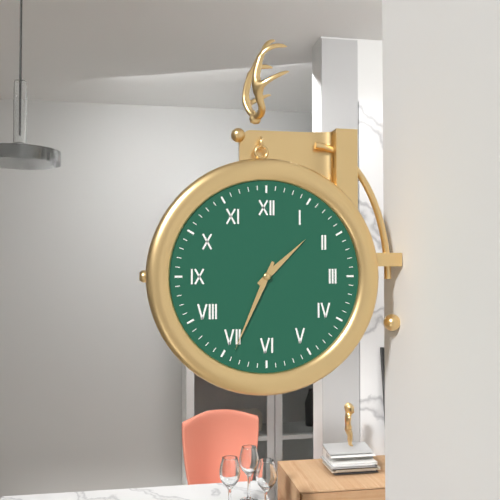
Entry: 1 h 34 min
